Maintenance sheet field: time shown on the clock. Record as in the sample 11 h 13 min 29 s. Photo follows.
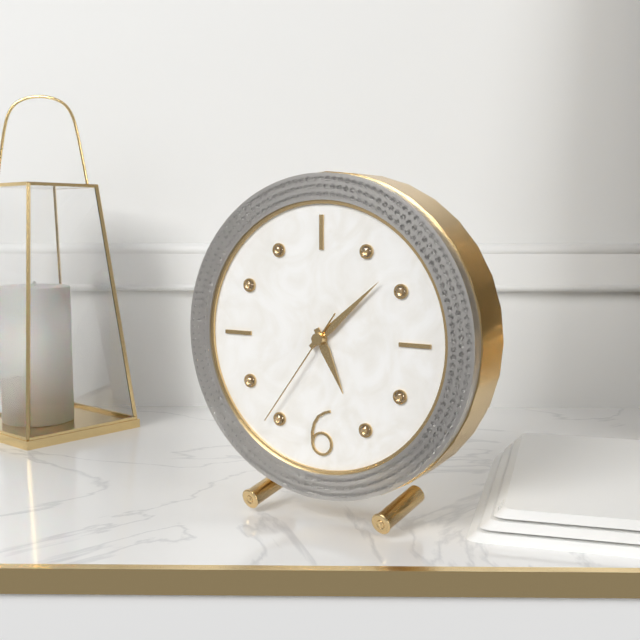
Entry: 5 h 08 min 36 s
